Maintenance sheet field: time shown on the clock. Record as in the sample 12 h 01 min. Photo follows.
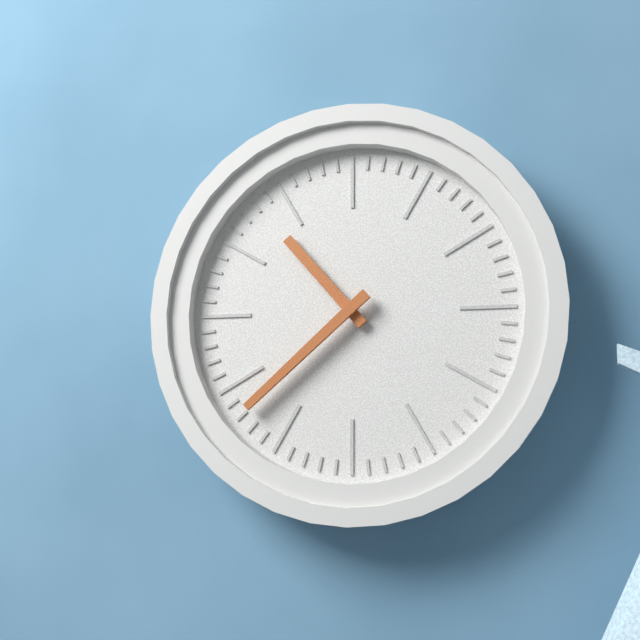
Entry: 10 h 38 min
